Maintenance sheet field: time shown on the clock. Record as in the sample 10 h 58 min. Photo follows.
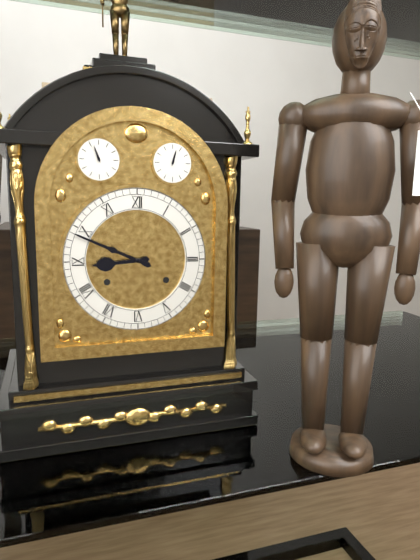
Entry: 8 h 49 min
